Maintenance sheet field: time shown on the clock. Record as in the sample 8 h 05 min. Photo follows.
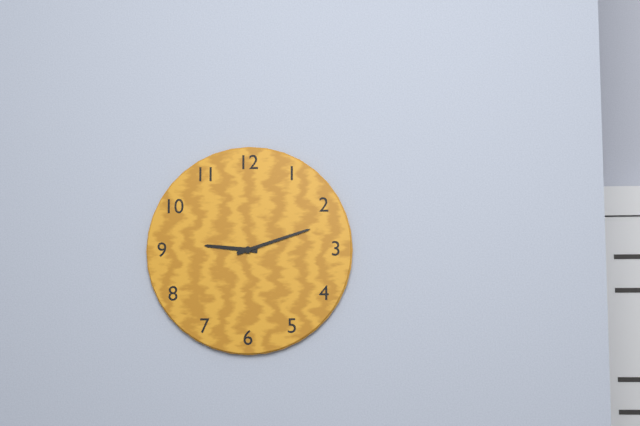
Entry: 9 h 12 min
